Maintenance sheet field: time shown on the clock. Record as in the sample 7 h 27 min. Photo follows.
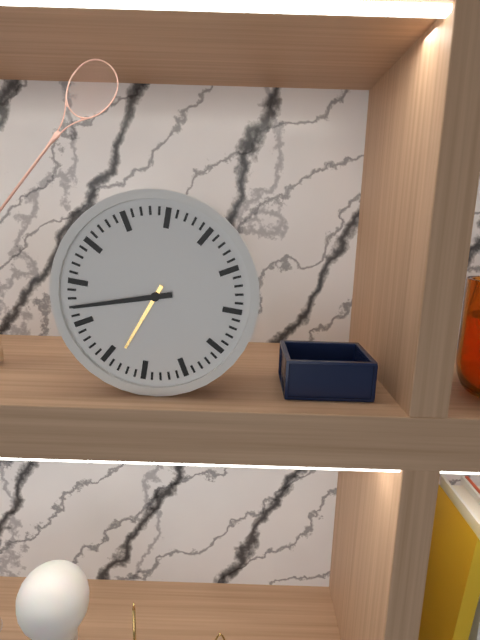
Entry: 6 h 42 min
